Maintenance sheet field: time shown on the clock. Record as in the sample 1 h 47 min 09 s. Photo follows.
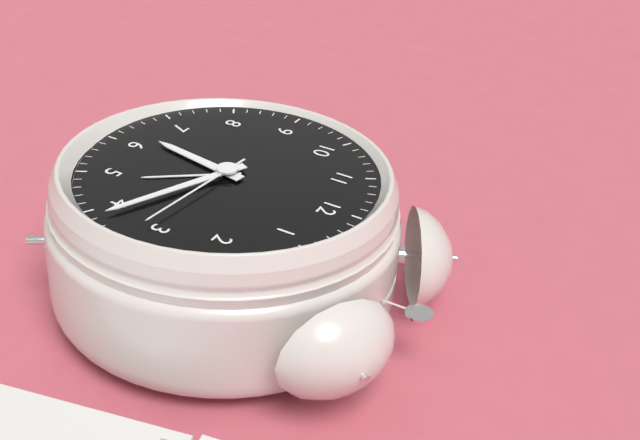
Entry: 6 h 19 min 16 s
